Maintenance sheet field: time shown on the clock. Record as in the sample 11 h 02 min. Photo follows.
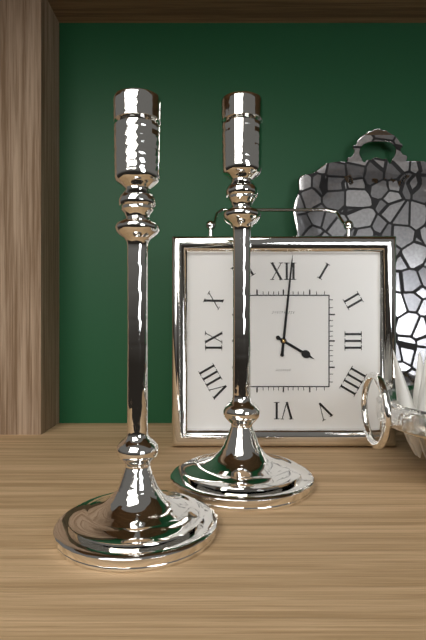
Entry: 4 h 01 min
